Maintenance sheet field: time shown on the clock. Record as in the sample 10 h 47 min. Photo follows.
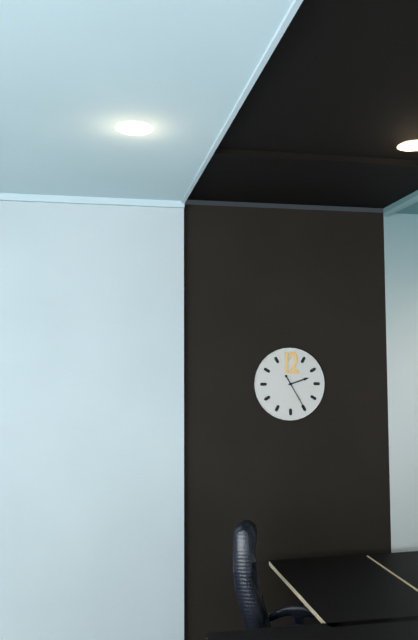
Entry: 2 h 25 min
